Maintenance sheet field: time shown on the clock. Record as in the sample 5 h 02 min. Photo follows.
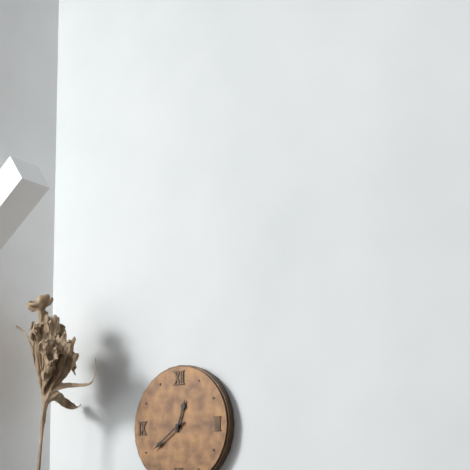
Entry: 12 h 39 min
